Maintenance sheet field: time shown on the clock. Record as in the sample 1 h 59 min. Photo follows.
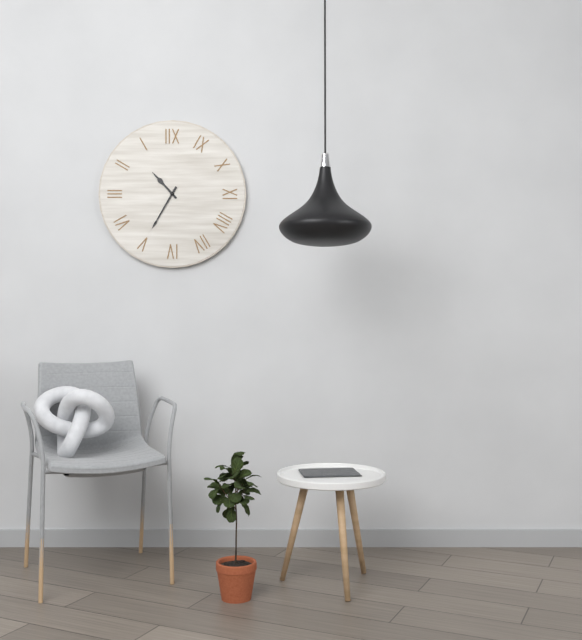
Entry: 10 h 35 min
